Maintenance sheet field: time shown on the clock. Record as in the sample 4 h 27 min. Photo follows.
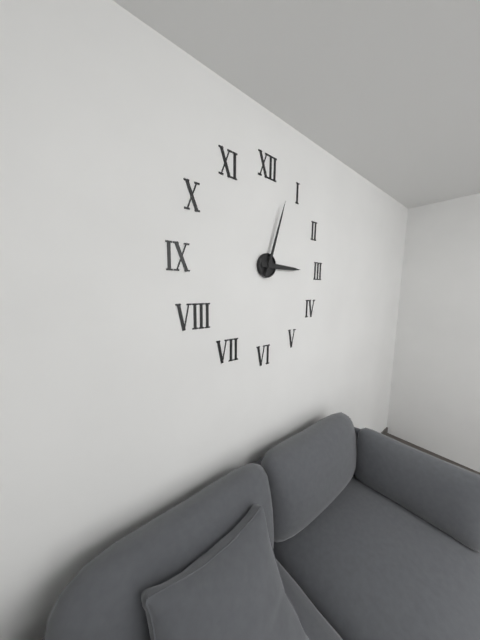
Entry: 3 h 03 min
